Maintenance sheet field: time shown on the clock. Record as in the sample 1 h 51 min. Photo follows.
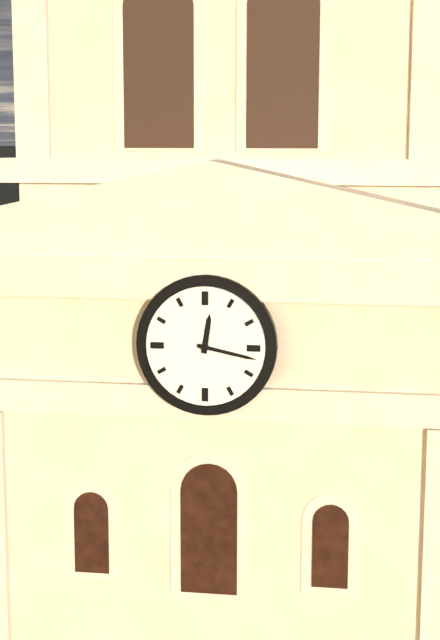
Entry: 12 h 17 min
